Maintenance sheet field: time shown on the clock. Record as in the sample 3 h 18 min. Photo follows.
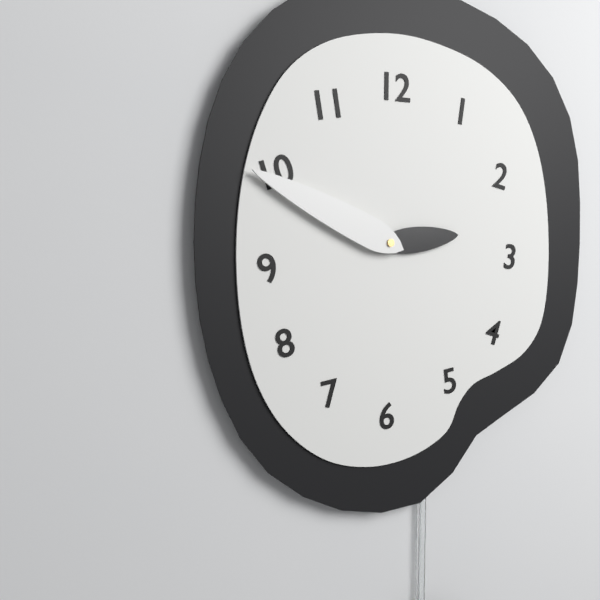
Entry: 2 h 49 min
